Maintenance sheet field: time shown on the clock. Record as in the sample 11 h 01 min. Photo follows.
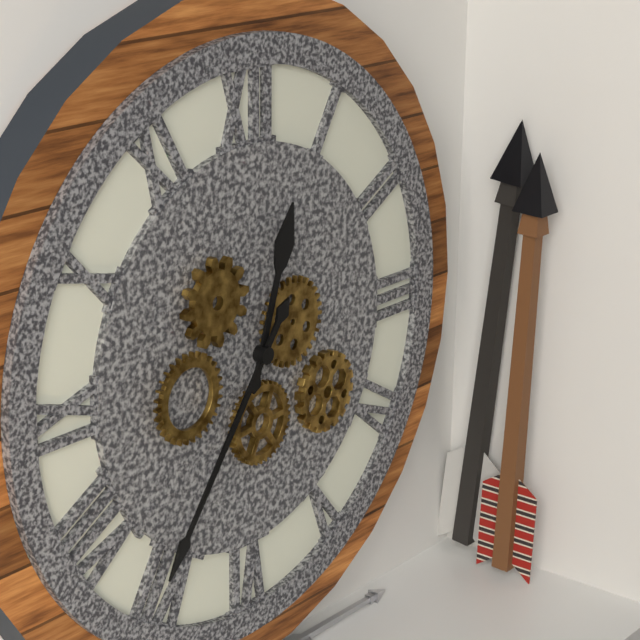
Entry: 12 h 36 min
